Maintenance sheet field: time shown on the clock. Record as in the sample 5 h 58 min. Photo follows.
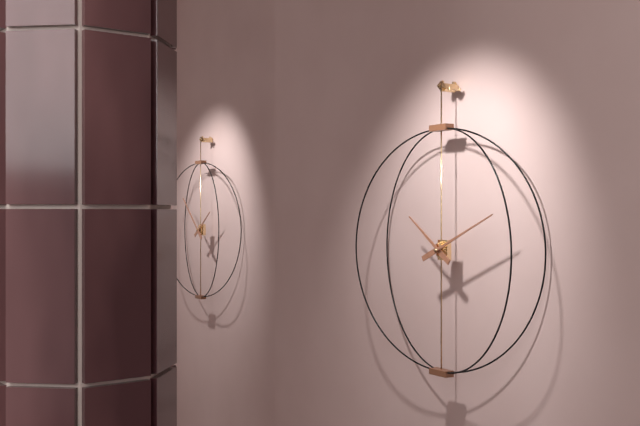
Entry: 10 h 11 min
